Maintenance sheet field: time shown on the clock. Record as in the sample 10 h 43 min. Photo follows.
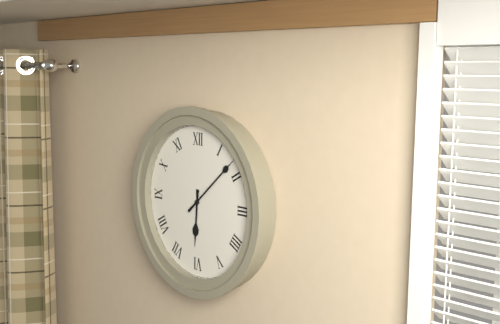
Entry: 6 h 08 min
